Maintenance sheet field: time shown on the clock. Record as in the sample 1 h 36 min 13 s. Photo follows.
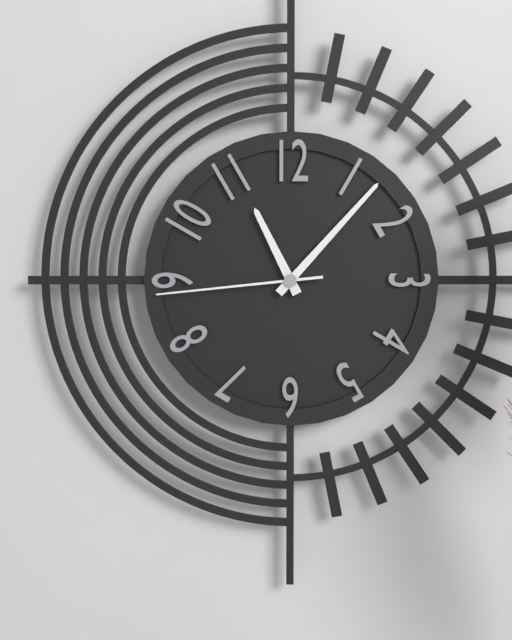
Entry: 11 h 07 min 44 s
